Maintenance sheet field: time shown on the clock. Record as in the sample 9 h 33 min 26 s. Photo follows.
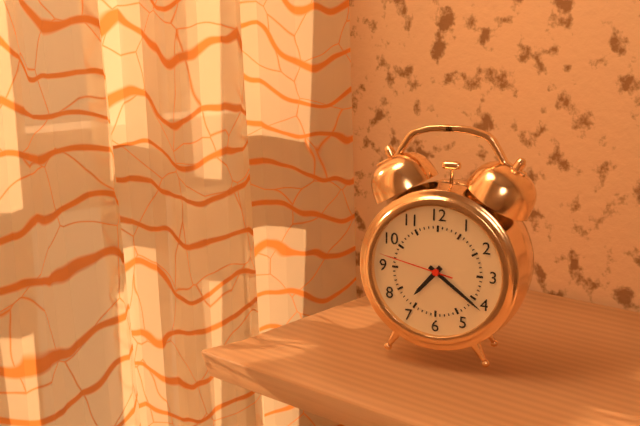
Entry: 7 h 21 min 47 s
